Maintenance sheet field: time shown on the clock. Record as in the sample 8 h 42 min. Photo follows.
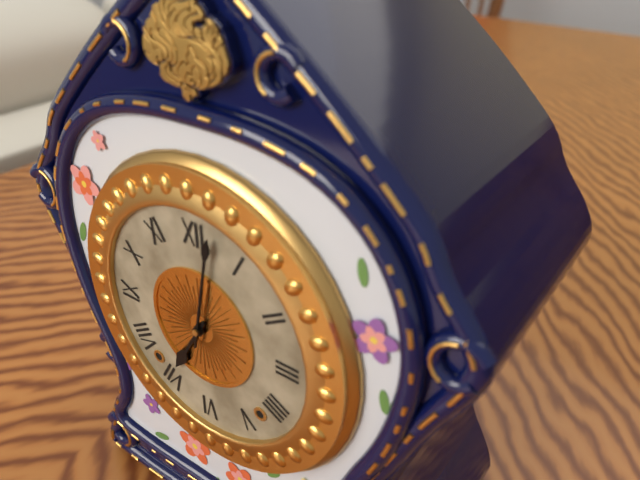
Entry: 7 h 02 min
